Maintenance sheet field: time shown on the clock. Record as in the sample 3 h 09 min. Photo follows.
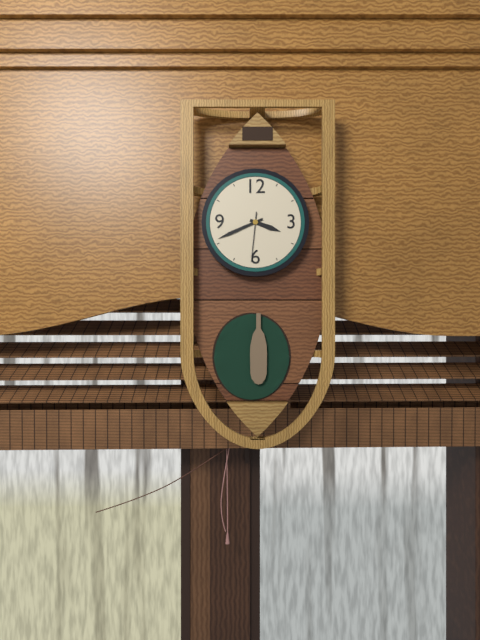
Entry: 3 h 41 min
